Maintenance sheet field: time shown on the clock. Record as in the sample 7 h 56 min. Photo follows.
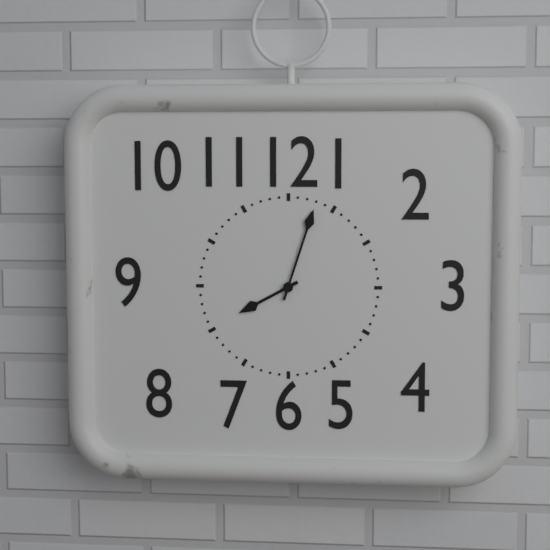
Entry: 8 h 03 min
